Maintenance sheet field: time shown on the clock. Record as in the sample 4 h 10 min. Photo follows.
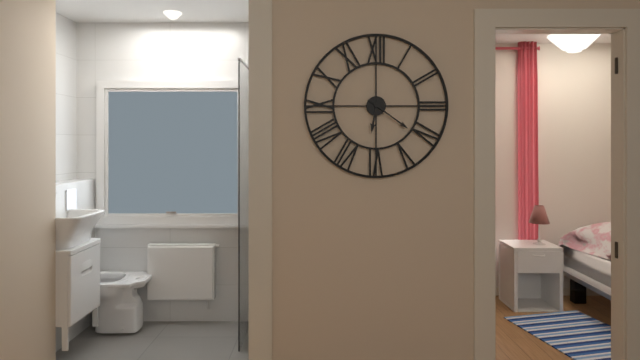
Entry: 6 h 21 min
